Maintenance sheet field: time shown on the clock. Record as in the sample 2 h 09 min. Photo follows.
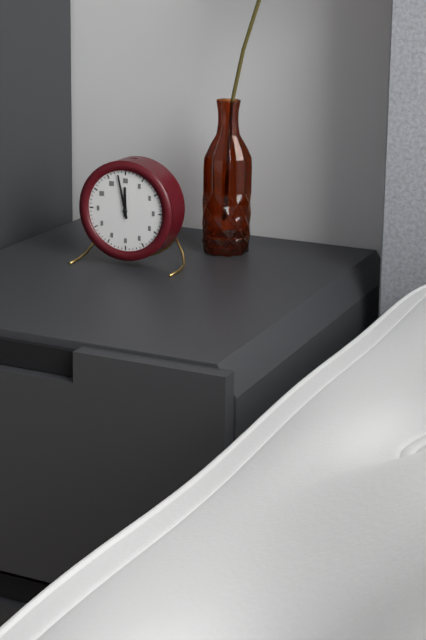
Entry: 11 h 58 min
